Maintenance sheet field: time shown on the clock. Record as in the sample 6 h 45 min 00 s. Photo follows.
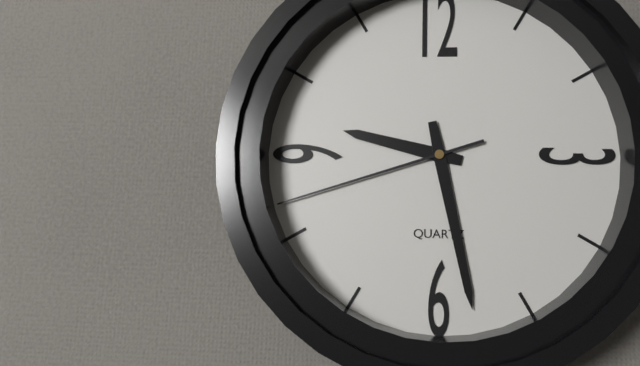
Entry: 9 h 28 min 42 s
